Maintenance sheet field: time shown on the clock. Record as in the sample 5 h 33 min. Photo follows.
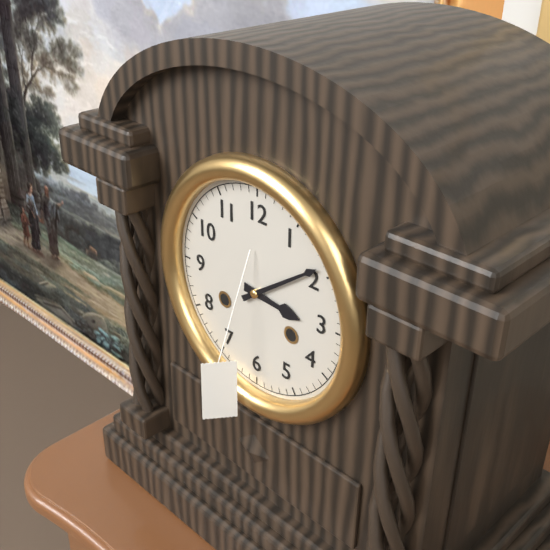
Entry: 3 h 09 min
